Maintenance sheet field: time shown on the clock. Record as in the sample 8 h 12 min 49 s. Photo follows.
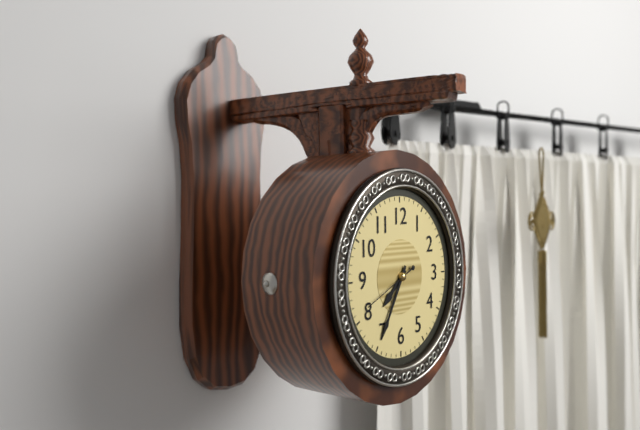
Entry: 7 h 35 min 41 s
